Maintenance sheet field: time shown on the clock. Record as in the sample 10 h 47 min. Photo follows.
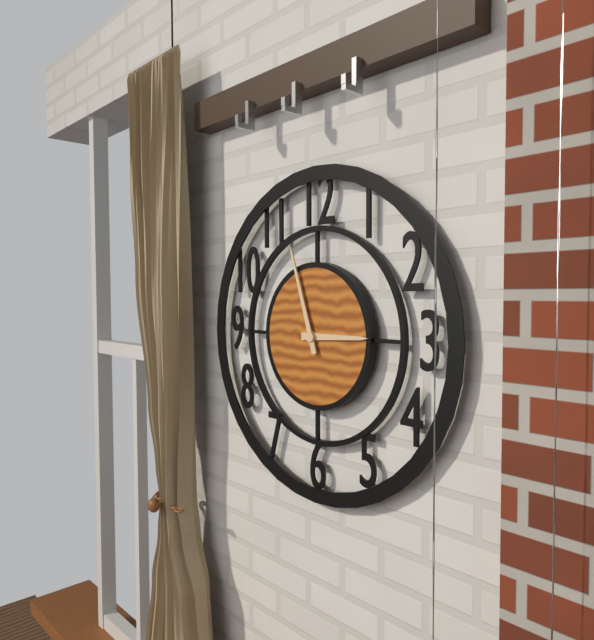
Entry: 2 h 57 min
